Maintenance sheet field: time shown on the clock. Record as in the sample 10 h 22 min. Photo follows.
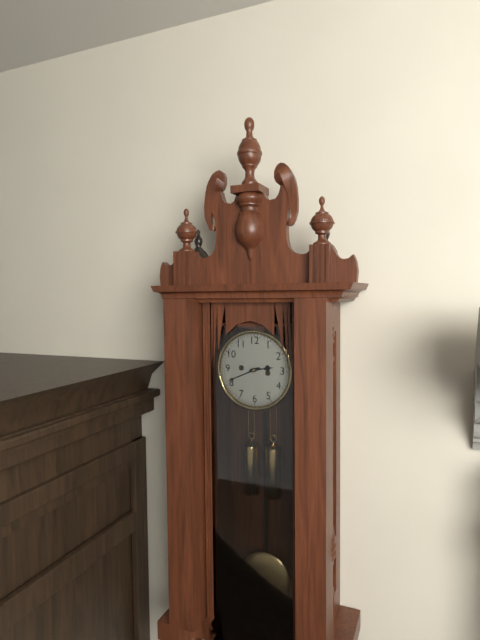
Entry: 2 h 41 min
